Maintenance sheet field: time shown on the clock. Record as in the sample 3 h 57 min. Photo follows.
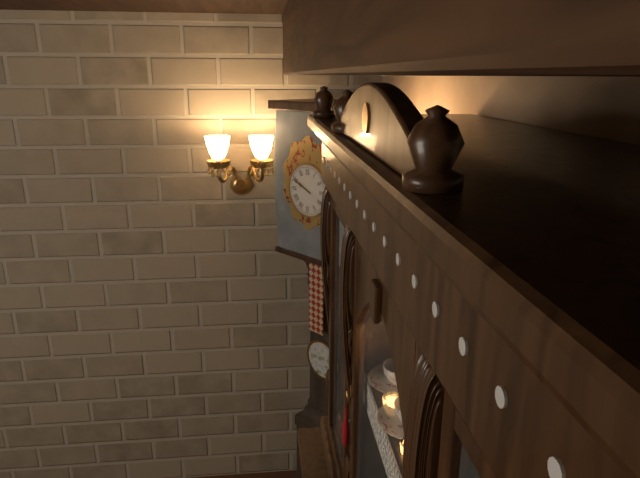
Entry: 9 h 49 min
